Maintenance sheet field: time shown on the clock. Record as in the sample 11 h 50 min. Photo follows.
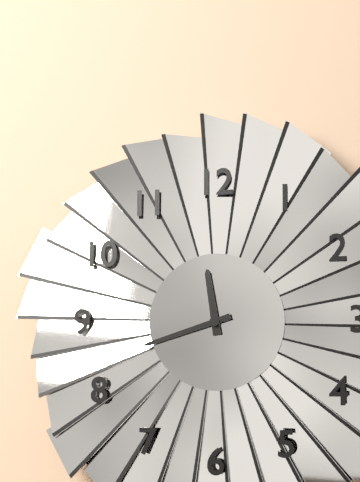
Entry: 11 h 42 min
